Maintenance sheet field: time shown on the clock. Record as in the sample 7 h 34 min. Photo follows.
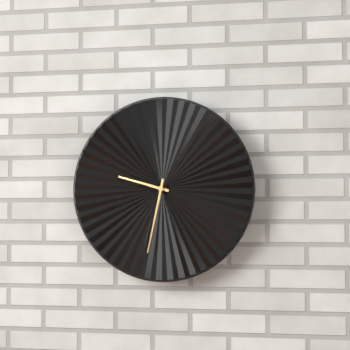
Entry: 9 h 32 min
